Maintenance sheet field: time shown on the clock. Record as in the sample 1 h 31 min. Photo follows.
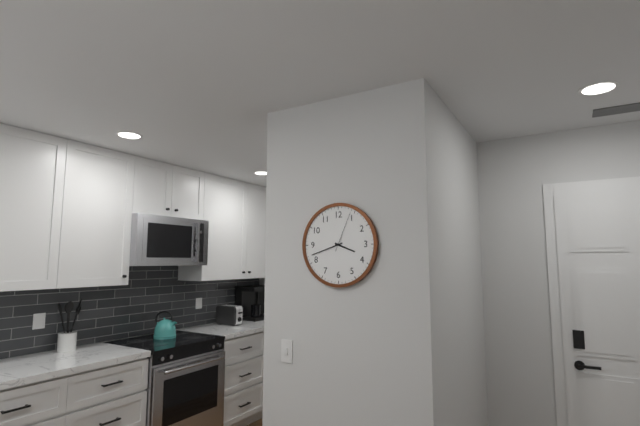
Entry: 3 h 42 min
